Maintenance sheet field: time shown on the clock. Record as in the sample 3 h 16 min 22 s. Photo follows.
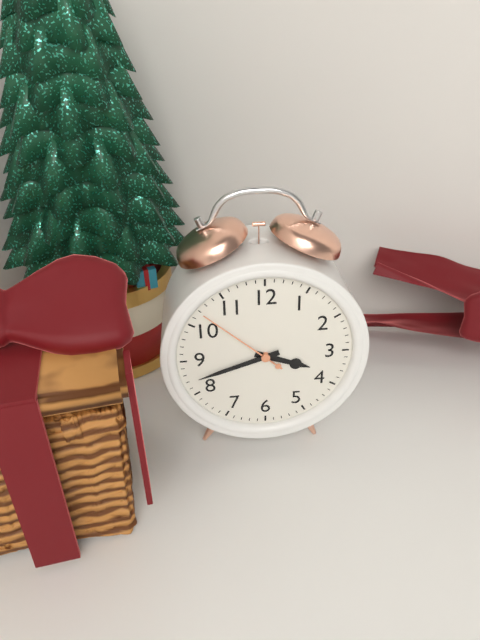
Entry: 3 h 42 min 52 s
